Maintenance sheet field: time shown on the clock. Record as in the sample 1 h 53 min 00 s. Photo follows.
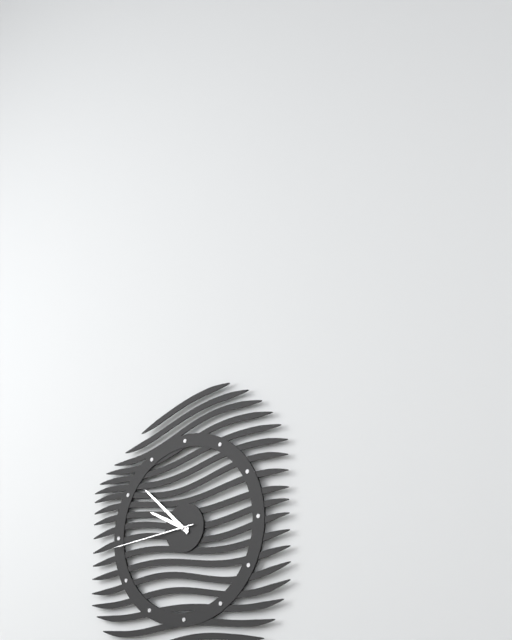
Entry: 9 h 52 min 44 s
